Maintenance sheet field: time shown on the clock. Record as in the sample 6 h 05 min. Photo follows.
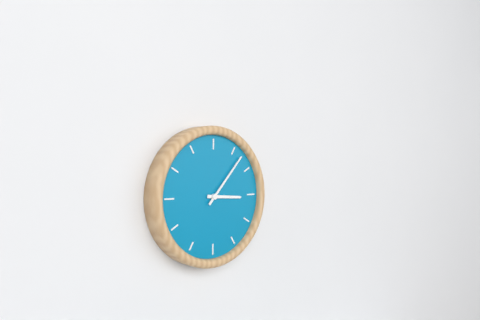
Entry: 3 h 07 min
